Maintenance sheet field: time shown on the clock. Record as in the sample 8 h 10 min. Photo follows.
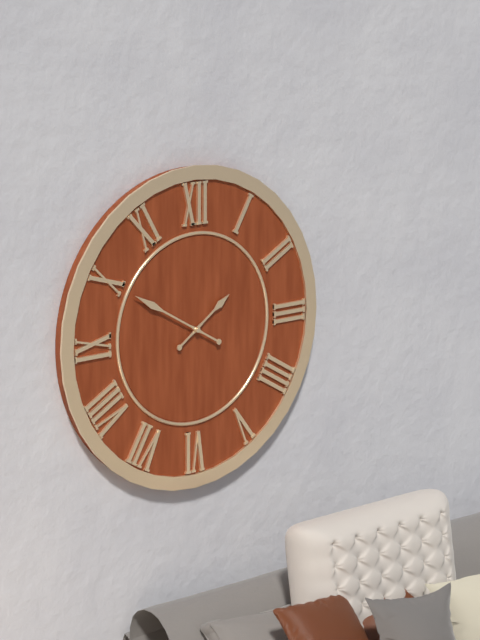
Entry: 1 h 50 min
